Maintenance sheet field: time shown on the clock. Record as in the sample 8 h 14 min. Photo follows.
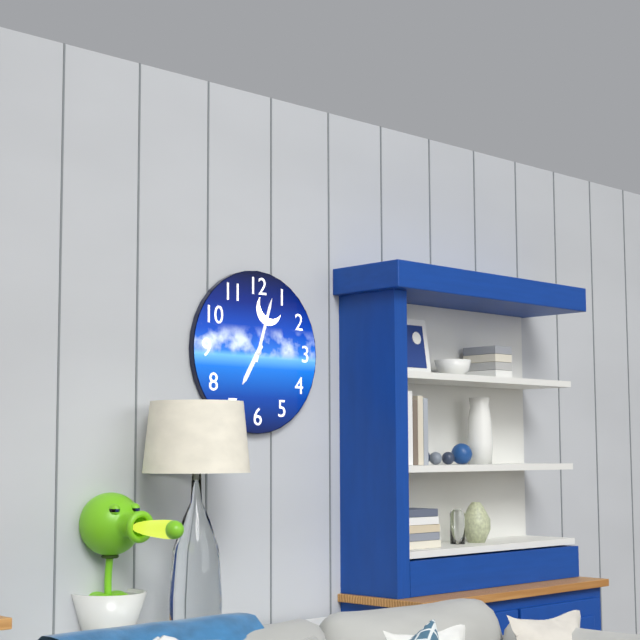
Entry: 7 h 03 min
